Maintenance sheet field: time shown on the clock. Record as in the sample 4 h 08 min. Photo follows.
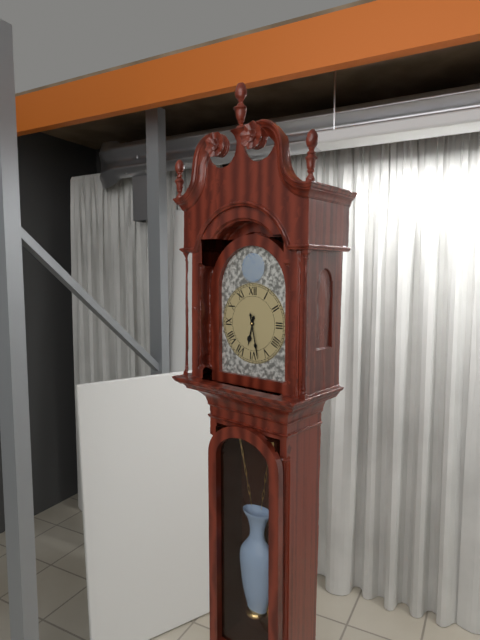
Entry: 6 h 28 min
